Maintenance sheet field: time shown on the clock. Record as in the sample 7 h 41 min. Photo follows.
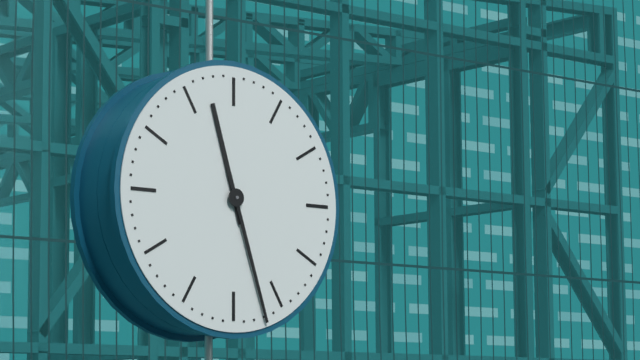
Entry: 11 h 27 min
